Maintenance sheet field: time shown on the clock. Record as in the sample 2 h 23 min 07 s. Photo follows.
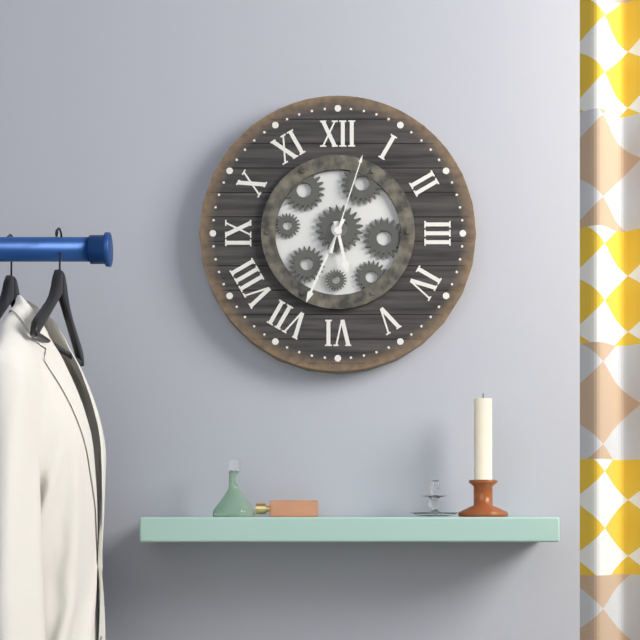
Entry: 5 h 34 min 03 s
